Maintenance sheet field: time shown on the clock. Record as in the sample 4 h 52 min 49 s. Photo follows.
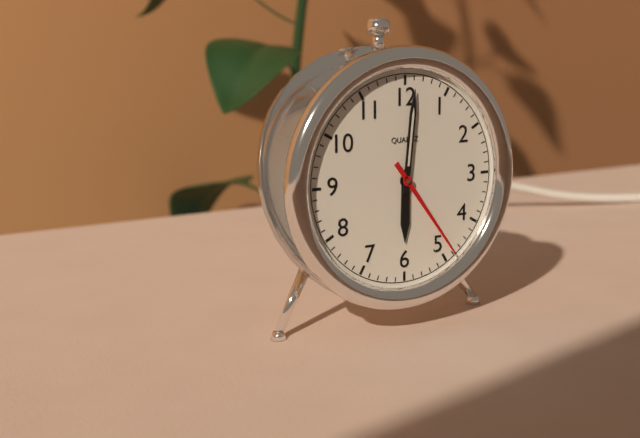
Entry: 6 h 01 min 24 s
